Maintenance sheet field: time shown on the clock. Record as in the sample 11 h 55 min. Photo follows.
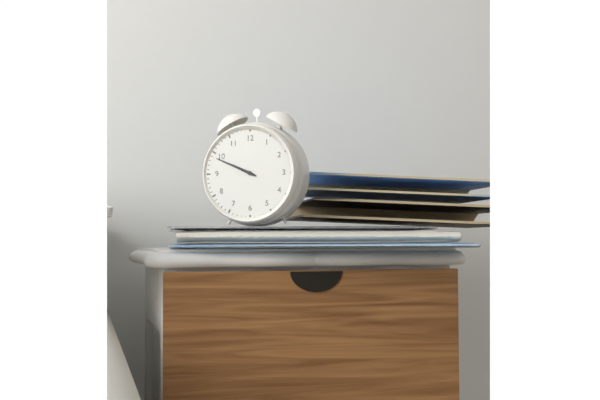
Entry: 9 h 49 min
